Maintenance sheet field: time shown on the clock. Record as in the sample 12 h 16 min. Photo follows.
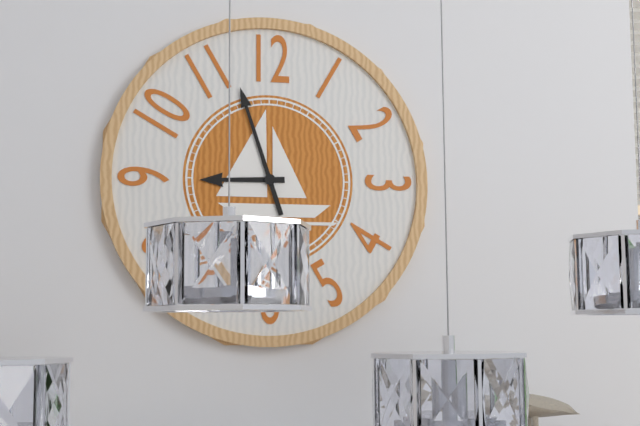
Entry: 8 h 57 min
